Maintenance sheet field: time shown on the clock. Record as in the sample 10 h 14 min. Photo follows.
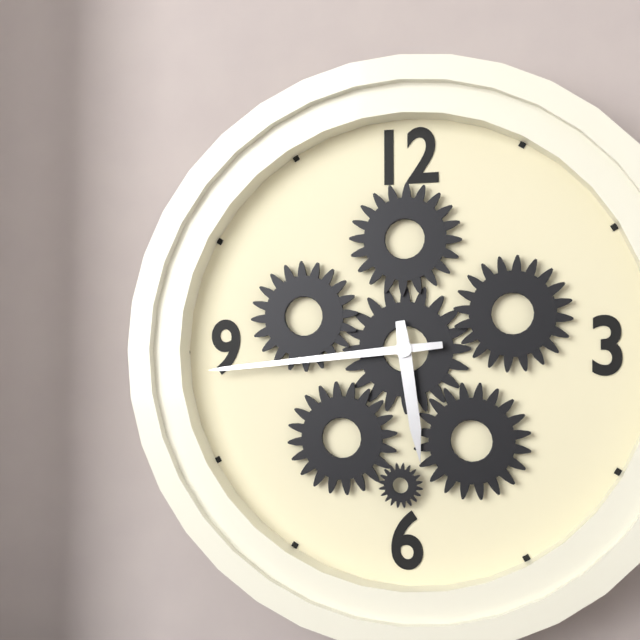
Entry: 5 h 44 min
